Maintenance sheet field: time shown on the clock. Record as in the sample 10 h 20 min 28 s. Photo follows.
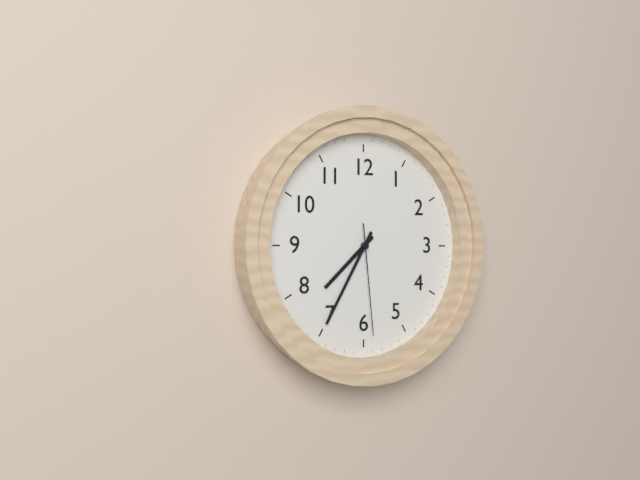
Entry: 7 h 35 min 29 s
